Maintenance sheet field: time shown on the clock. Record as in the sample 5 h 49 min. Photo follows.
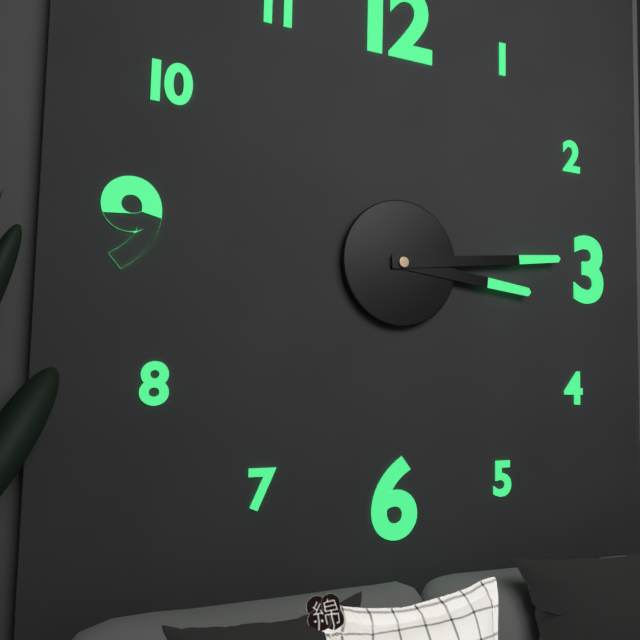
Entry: 3 h 14 min
